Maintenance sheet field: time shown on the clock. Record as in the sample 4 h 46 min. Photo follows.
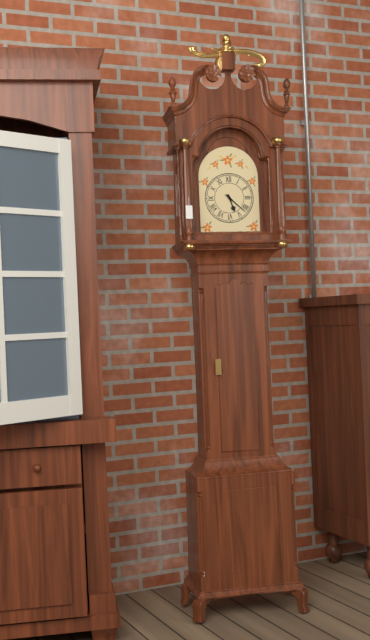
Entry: 5 h 22 min
